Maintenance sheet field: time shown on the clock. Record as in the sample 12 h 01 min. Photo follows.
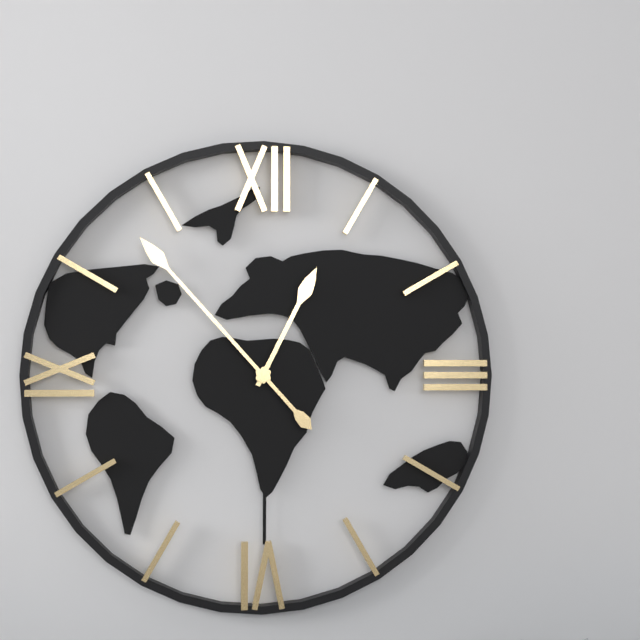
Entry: 12 h 53 min
